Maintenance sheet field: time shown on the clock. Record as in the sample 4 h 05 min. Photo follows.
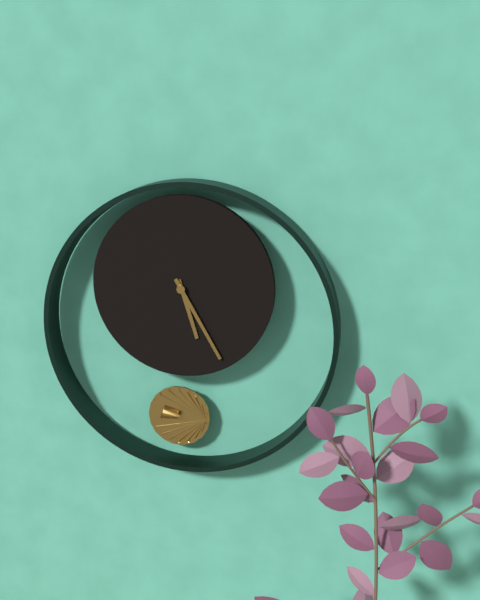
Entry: 5 h 25 min
